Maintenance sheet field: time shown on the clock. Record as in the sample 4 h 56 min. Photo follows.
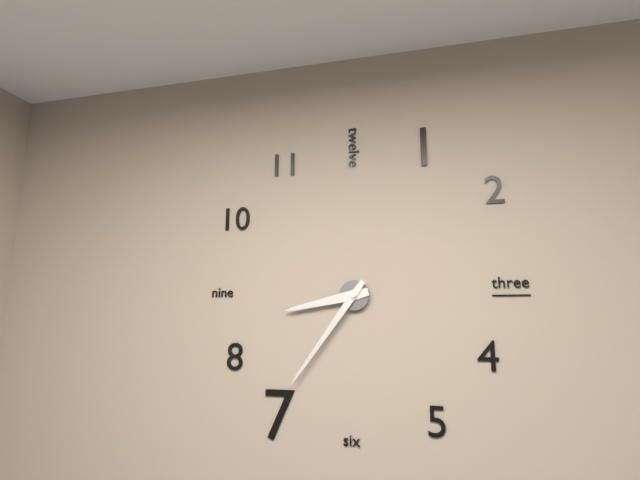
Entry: 8 h 36 min
